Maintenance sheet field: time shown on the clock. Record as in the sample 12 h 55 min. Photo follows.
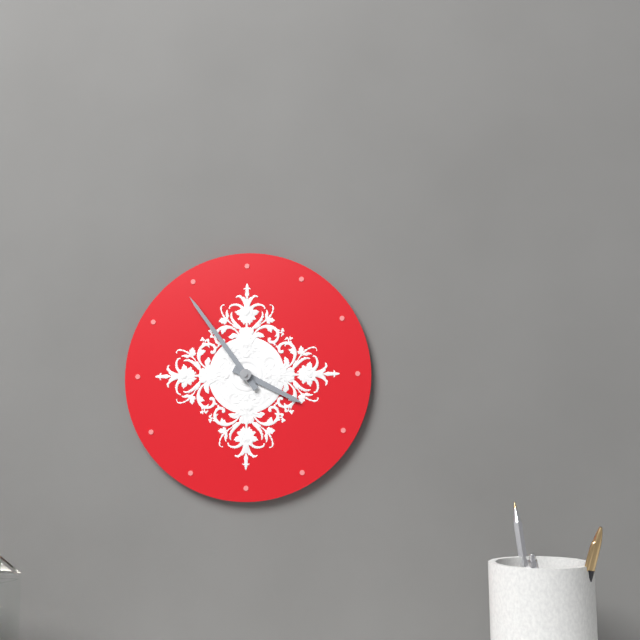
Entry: 3 h 54 min
